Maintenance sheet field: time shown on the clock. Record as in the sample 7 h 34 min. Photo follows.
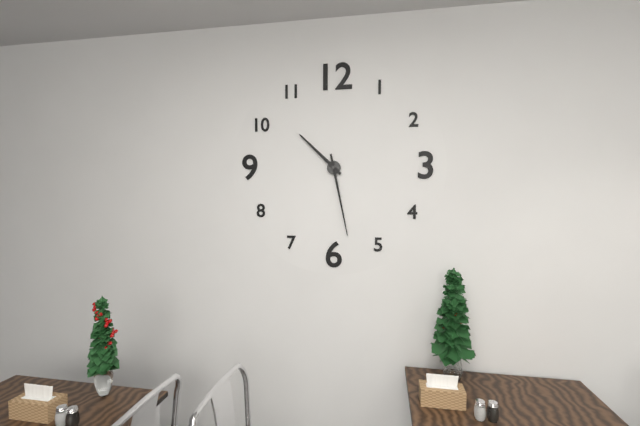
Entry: 10 h 28 min
